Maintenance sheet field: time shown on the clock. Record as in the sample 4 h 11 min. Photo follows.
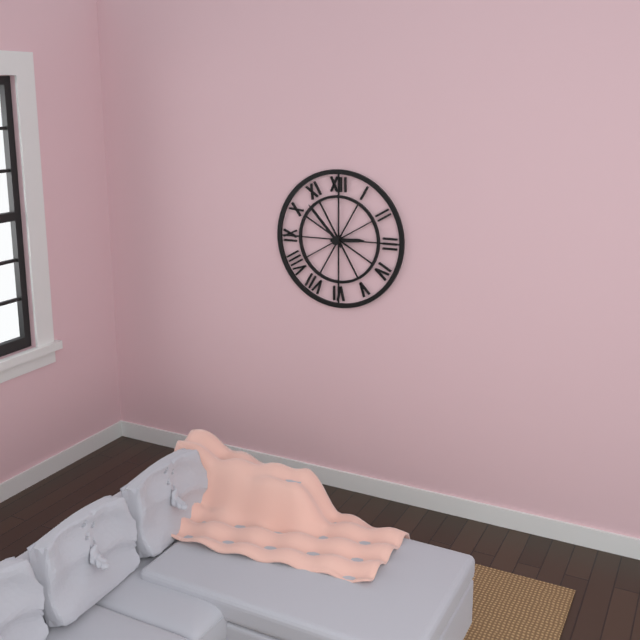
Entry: 2 h 53 min
